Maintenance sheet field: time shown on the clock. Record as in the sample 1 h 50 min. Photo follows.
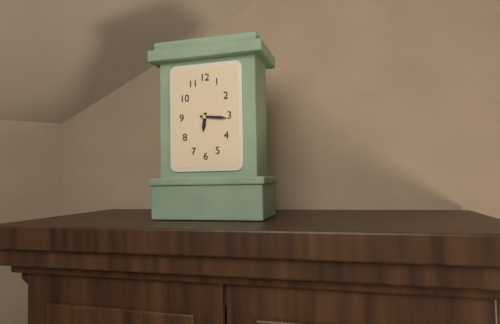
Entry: 6 h 16 min
